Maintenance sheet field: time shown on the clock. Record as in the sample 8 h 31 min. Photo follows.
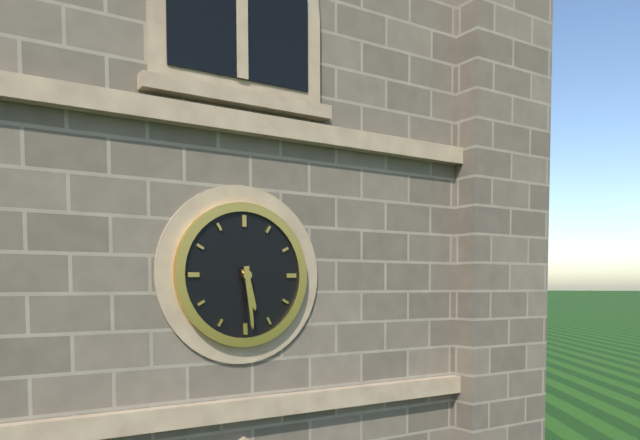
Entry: 5 h 29 min
